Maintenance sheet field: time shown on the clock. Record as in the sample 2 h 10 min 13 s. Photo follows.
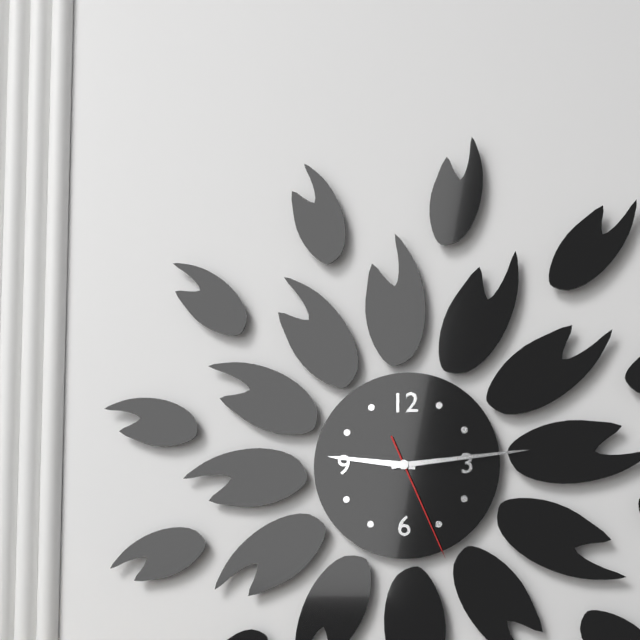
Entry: 9 h 14 min 26 s
